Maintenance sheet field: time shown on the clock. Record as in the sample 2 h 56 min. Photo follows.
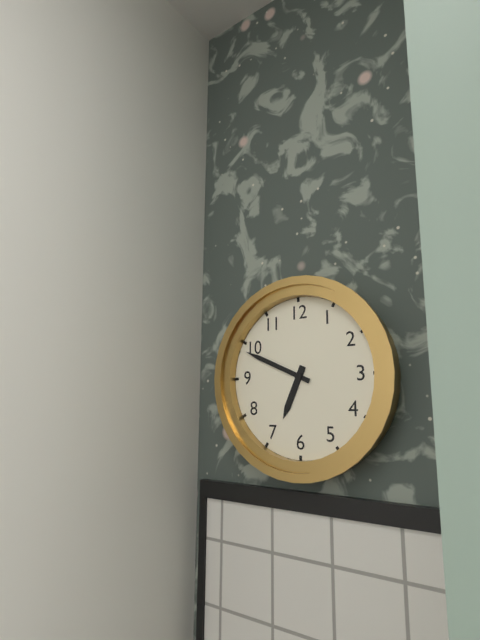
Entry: 6 h 49 min
